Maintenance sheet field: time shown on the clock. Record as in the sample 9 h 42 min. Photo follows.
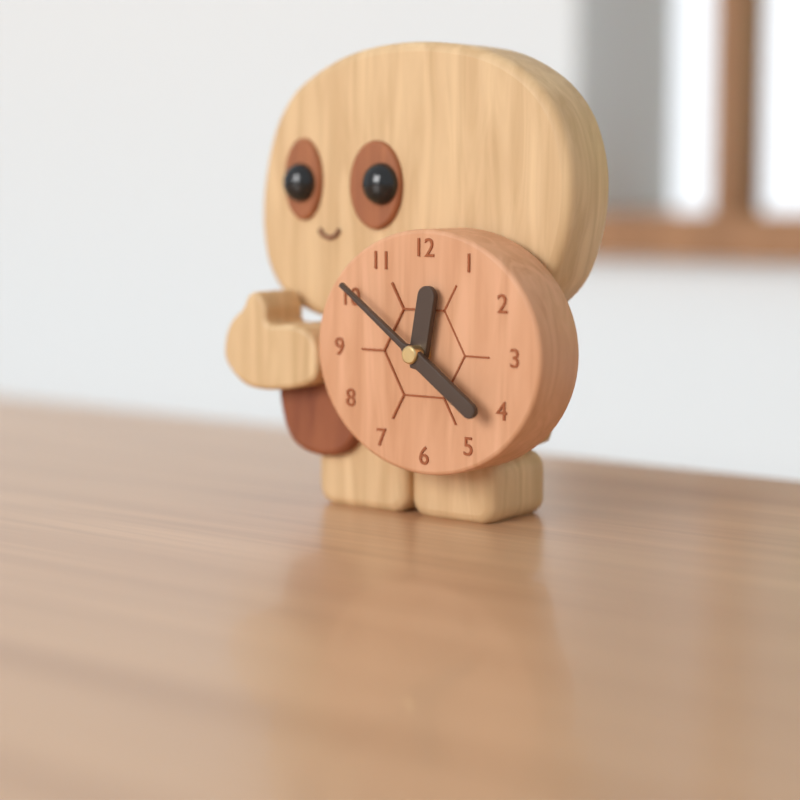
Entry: 12 h 21 min
